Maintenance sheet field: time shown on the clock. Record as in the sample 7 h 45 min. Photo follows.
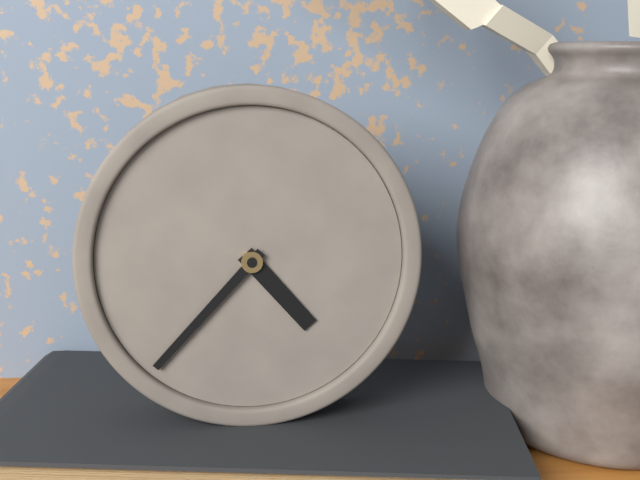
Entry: 4 h 37 min
